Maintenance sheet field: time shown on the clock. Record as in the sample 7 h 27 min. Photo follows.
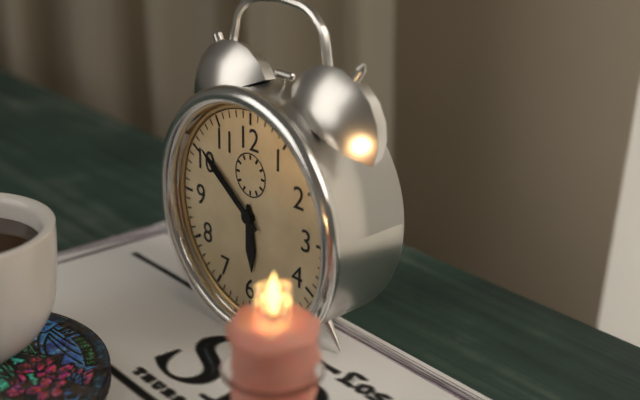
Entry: 5 h 51 min
